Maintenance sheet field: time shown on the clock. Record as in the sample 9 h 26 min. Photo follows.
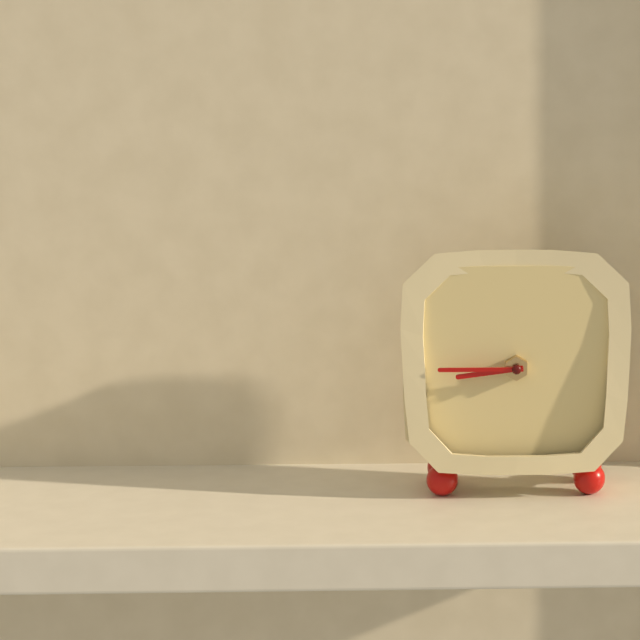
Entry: 8 h 45 min
